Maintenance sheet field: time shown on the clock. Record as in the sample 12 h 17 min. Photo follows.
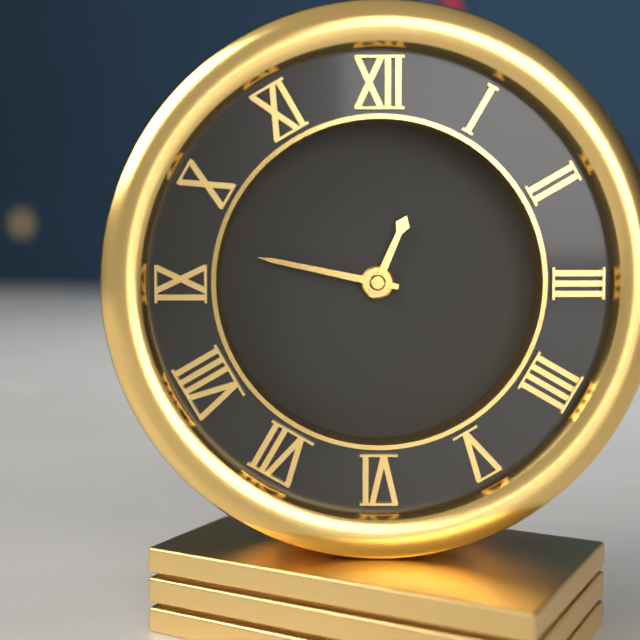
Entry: 12 h 47 min
